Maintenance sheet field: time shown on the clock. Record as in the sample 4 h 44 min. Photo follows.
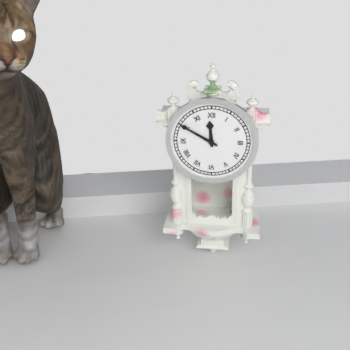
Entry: 11 h 50 min
